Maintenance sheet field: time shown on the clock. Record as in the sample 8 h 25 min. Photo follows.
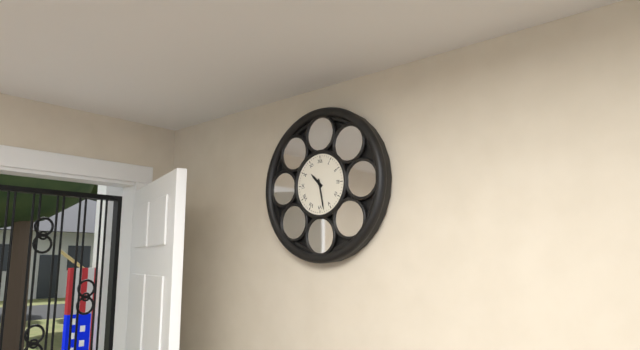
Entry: 10 h 28 min
